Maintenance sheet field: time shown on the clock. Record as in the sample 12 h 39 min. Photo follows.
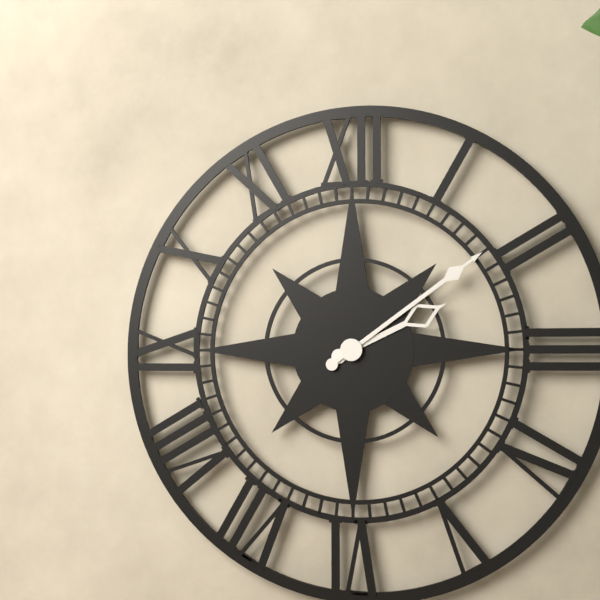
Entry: 2 h 09 min
